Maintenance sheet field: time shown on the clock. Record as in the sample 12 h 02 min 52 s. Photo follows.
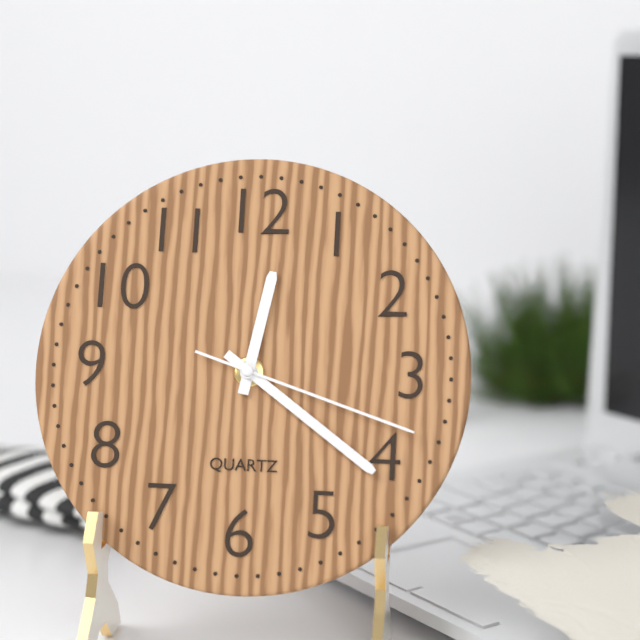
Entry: 12 h 21 min 18 s
